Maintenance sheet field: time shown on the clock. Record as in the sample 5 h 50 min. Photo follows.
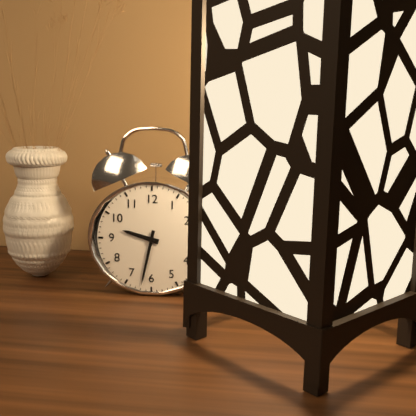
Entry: 9 h 32 min
